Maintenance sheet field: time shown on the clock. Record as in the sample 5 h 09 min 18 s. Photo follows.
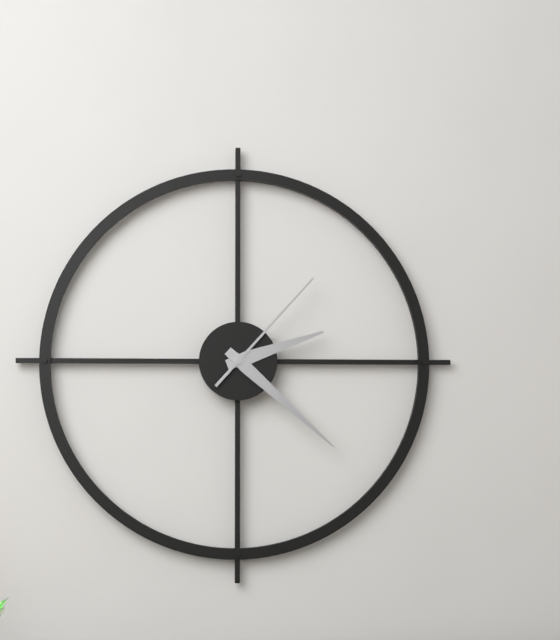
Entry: 2 h 22 min 07 s
